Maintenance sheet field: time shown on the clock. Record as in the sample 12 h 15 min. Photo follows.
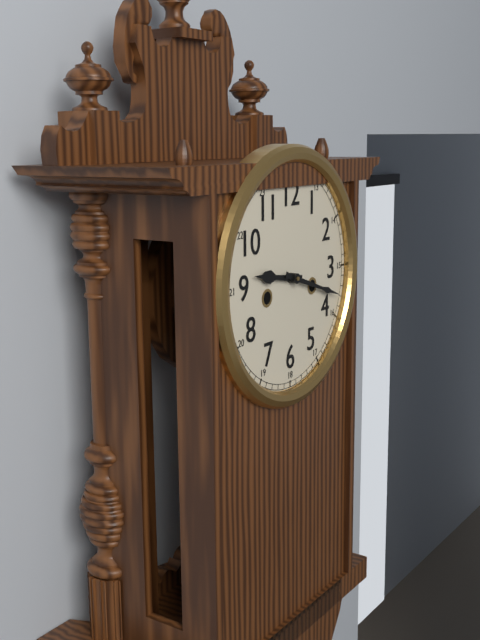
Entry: 9 h 18 min
